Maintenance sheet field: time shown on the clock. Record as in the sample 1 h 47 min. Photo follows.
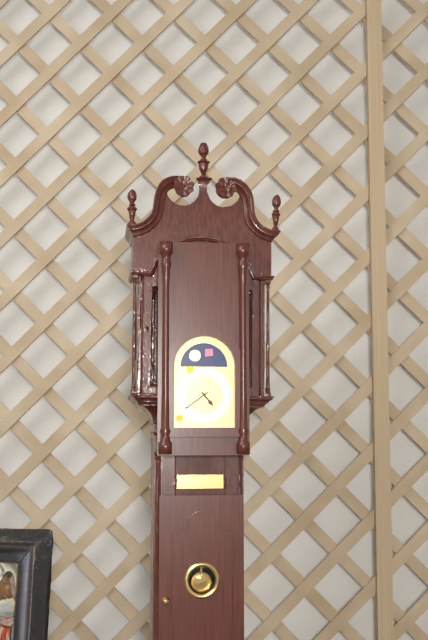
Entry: 4 h 39 min
